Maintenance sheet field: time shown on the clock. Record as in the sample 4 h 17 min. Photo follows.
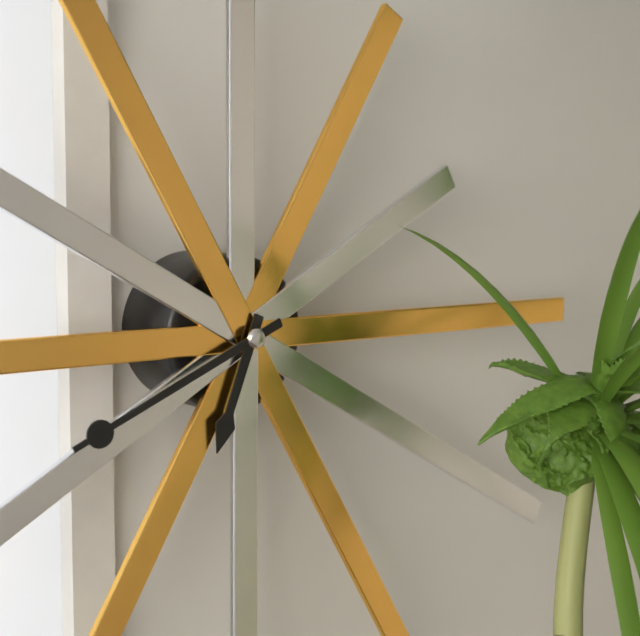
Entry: 6 h 41 min
